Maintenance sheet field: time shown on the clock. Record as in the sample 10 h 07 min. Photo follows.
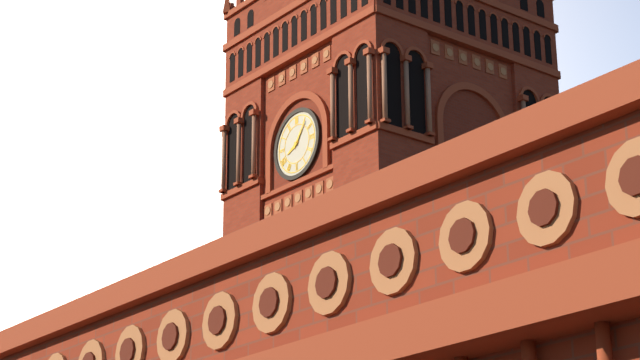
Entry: 8 h 06 min
